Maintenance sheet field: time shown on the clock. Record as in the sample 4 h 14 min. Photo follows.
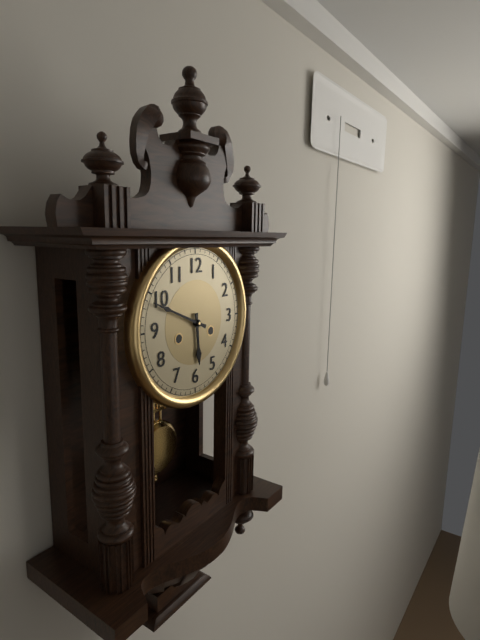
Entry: 5 h 49 min
